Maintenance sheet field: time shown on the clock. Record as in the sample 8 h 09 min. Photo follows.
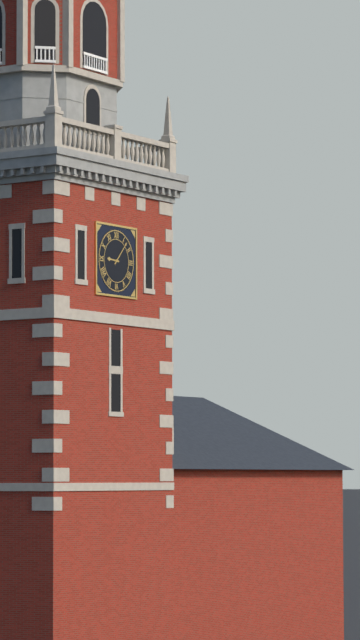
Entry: 9 h 07 min
